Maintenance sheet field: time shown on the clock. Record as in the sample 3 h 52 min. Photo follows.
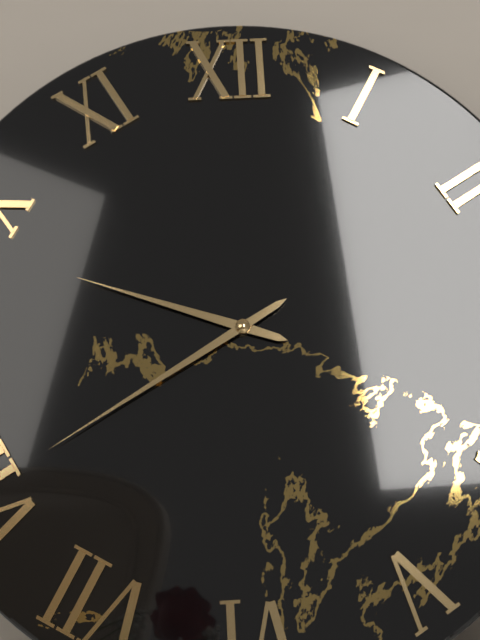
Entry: 9 h 40 min
